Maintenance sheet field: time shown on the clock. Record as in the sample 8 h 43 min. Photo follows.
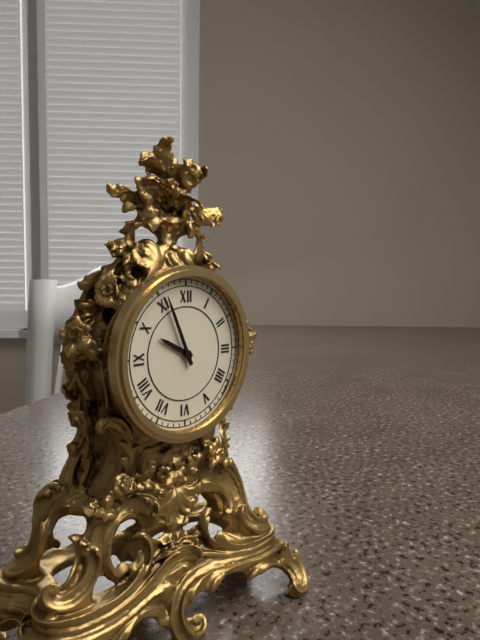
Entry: 9 h 56 min
